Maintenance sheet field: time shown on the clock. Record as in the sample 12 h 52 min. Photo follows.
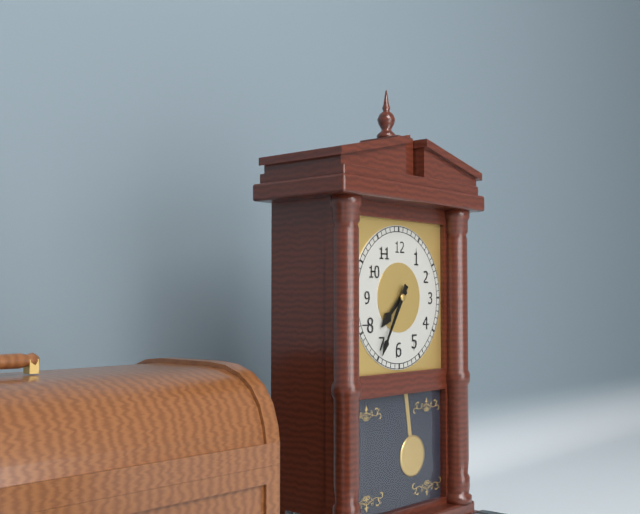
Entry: 7 h 35 min
